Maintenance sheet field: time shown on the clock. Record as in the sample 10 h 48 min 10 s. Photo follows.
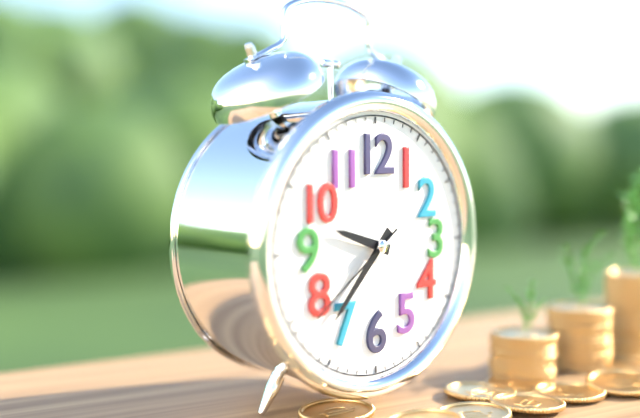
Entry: 9 h 37 min 39 s
